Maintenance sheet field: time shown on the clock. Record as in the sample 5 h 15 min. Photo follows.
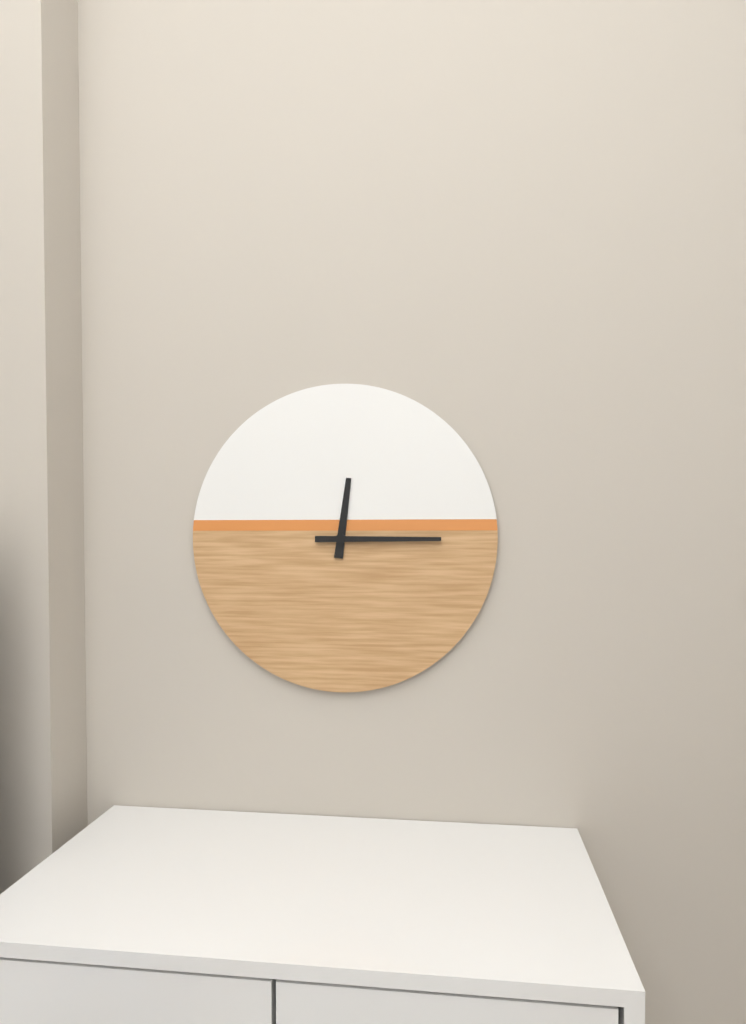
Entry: 12 h 15 min
